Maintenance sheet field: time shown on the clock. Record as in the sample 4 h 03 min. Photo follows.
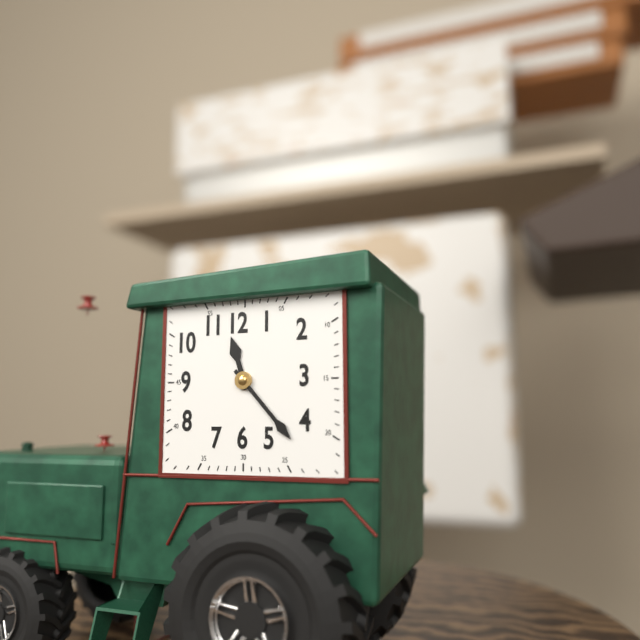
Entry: 11 h 23 min
